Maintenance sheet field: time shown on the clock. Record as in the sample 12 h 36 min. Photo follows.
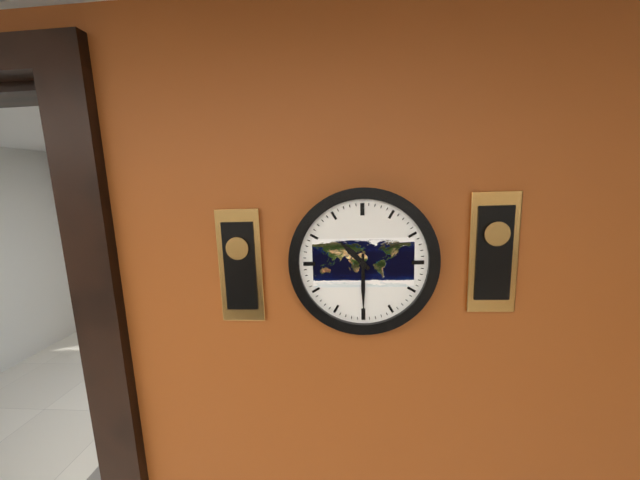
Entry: 10 h 30 min
